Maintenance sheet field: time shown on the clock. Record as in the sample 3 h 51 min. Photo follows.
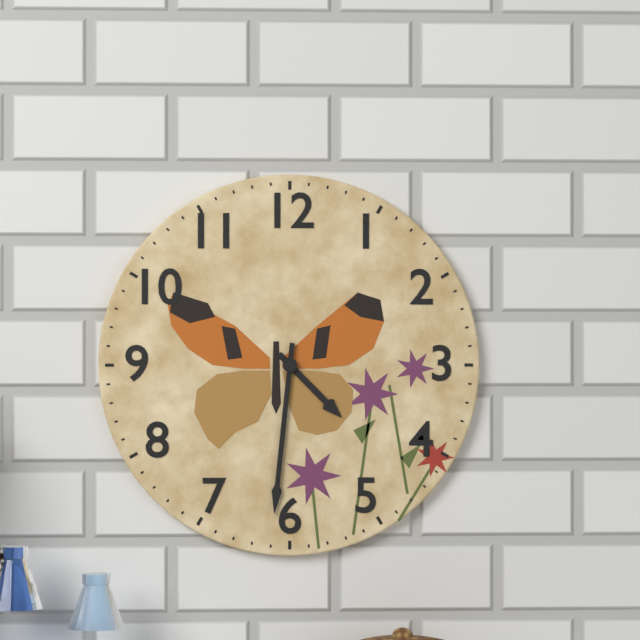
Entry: 4 h 31 min
